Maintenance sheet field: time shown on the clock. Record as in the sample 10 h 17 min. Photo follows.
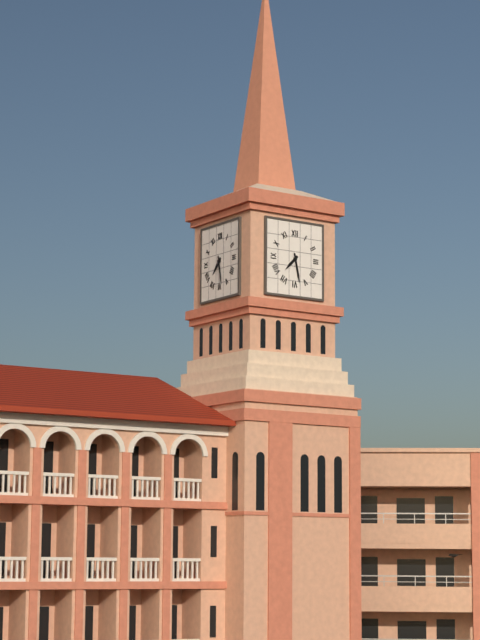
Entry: 7 h 28 min
